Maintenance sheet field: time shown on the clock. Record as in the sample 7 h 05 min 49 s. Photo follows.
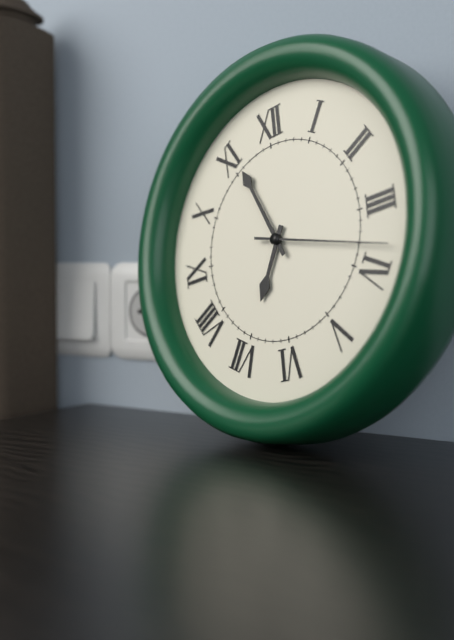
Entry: 6 h 56 min 18 s
